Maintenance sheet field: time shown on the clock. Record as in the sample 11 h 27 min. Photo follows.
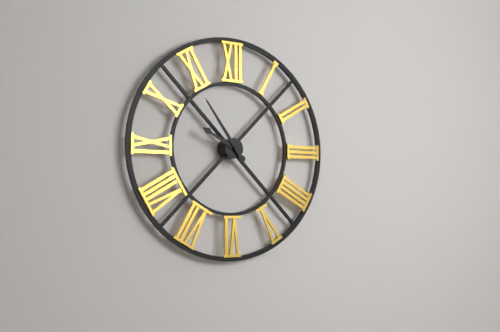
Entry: 9 h 54 min
